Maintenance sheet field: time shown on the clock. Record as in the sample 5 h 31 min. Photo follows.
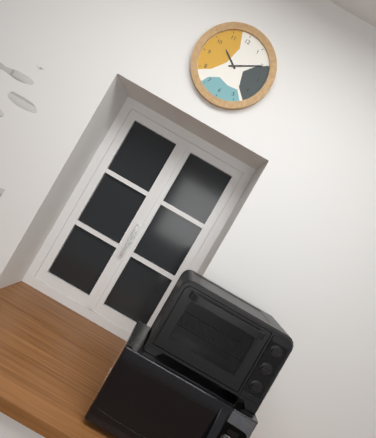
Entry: 10 h 10 min
